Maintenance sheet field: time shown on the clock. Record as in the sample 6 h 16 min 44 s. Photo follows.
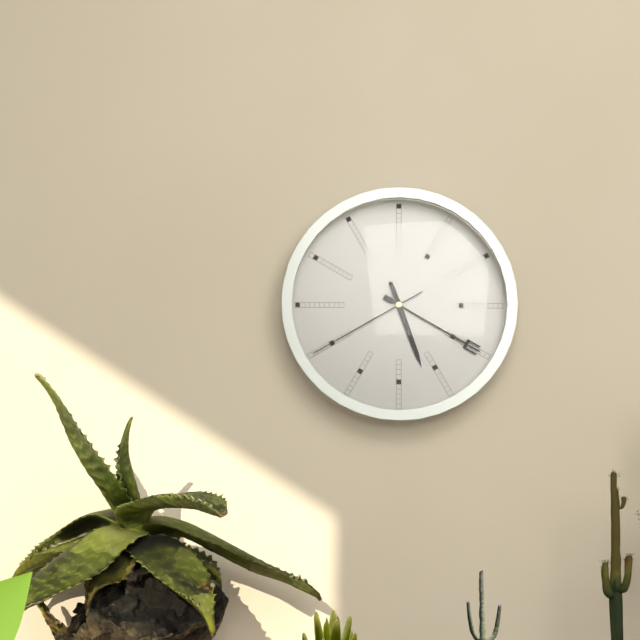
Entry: 5 h 20 min 40 s
